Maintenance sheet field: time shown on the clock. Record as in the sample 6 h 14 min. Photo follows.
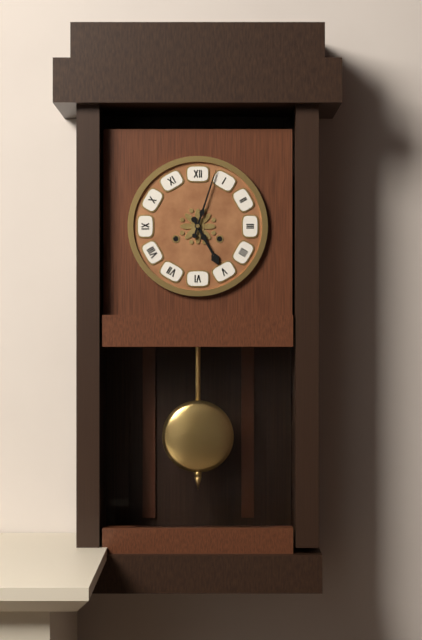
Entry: 5 h 03 min
